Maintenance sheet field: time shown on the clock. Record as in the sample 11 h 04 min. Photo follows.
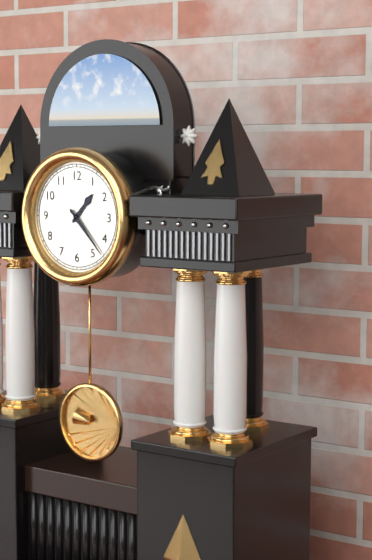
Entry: 1 h 23 min
